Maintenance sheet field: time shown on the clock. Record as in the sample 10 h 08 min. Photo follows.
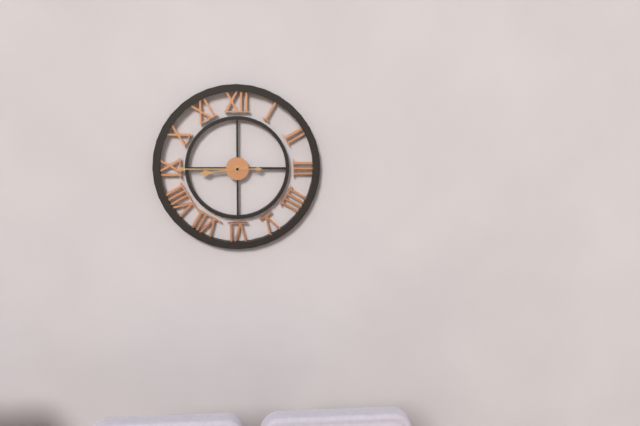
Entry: 8 h 45 min
